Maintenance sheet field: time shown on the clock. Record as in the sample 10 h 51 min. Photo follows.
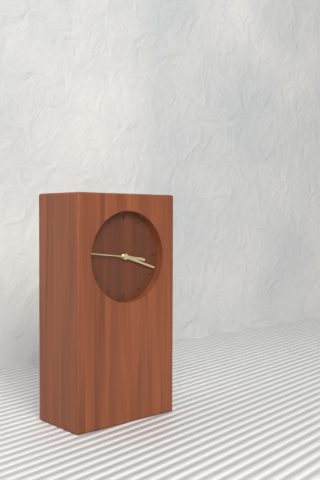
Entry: 3 h 18 min
